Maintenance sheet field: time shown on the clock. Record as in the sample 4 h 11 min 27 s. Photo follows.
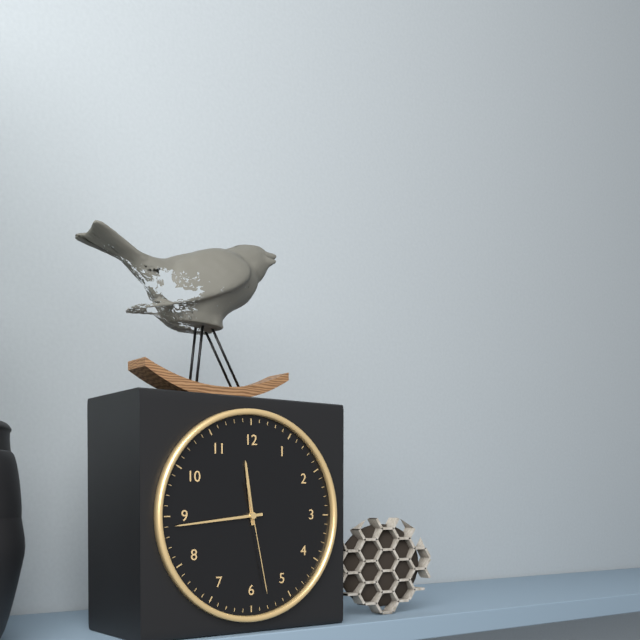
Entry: 11 h 44 min 28 s
